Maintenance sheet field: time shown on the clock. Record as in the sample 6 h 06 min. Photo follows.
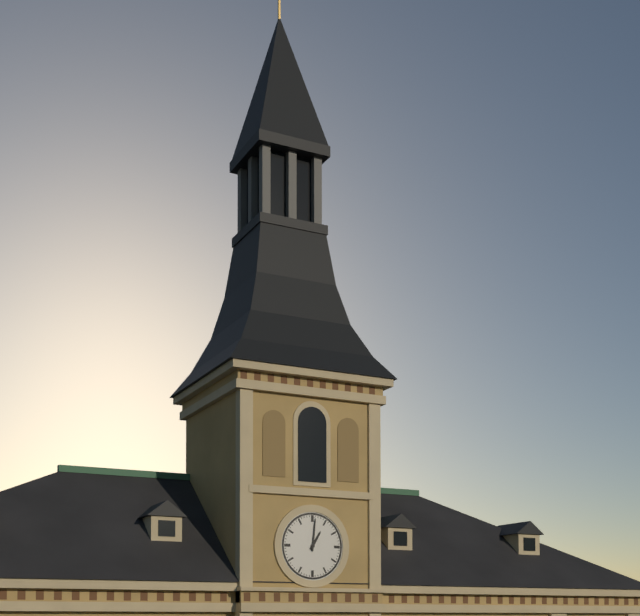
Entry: 1 h 01 min
